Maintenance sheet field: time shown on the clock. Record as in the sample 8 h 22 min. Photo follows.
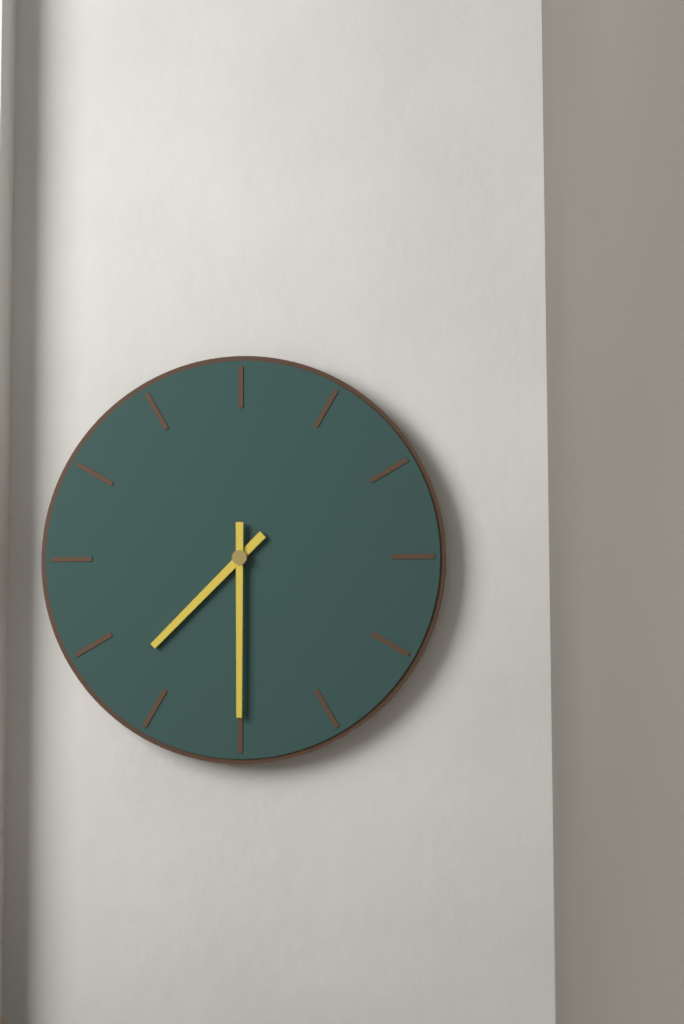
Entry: 7 h 30 min
